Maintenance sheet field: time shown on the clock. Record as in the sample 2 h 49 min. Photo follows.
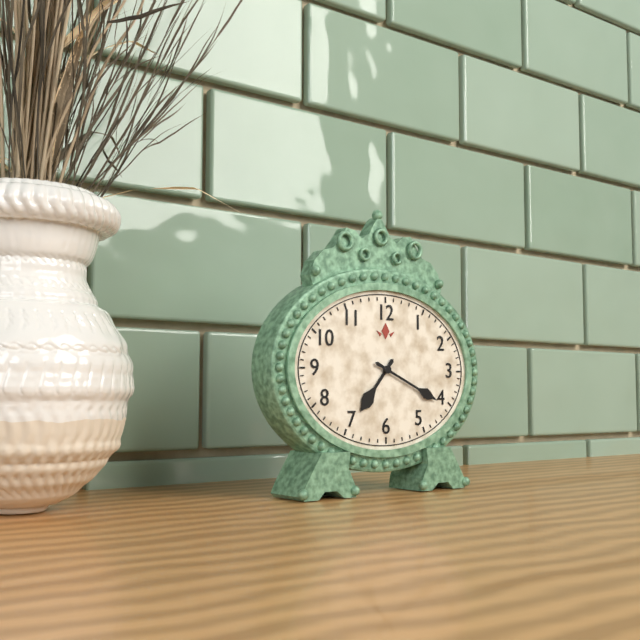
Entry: 7 h 19 min
